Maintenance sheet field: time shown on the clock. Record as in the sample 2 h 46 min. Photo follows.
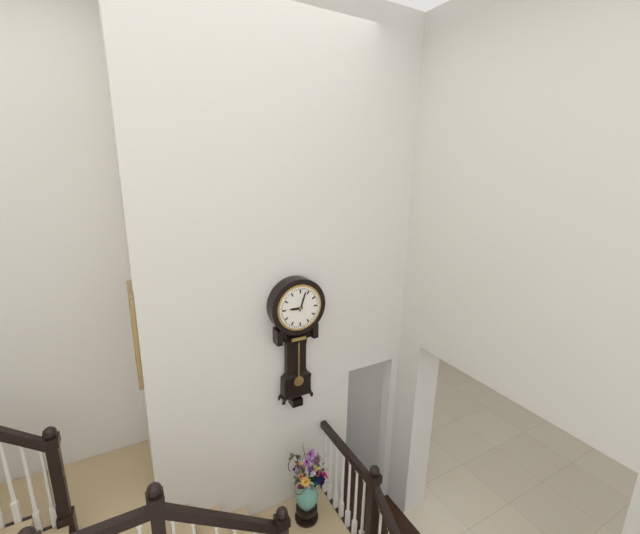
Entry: 9 h 03 min
